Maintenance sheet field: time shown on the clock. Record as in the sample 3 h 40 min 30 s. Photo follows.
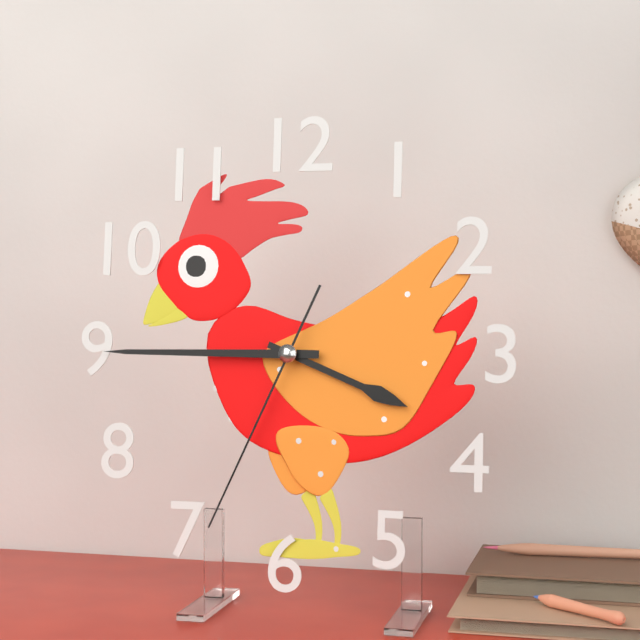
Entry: 3 h 45 min 34 s
